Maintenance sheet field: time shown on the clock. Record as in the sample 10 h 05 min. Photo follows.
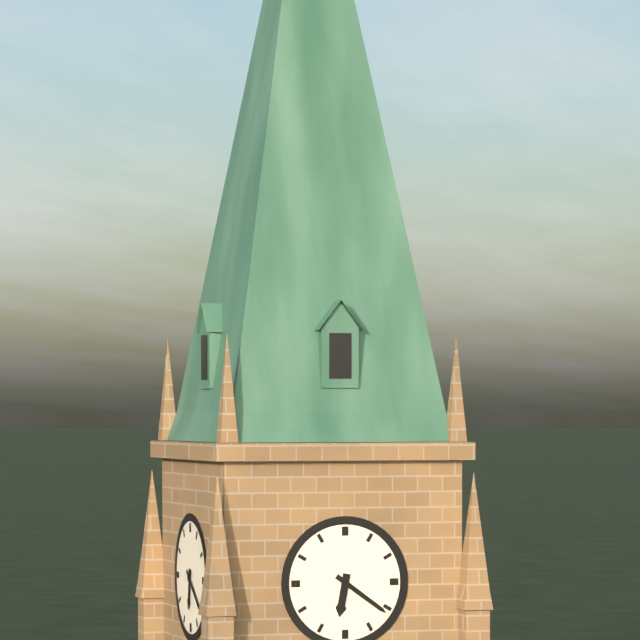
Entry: 6 h 21 min
